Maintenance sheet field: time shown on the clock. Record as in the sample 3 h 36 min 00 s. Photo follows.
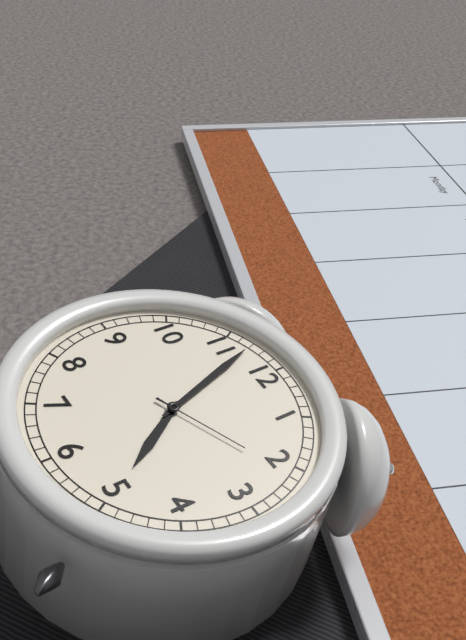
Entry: 4 h 57 min 11 s
